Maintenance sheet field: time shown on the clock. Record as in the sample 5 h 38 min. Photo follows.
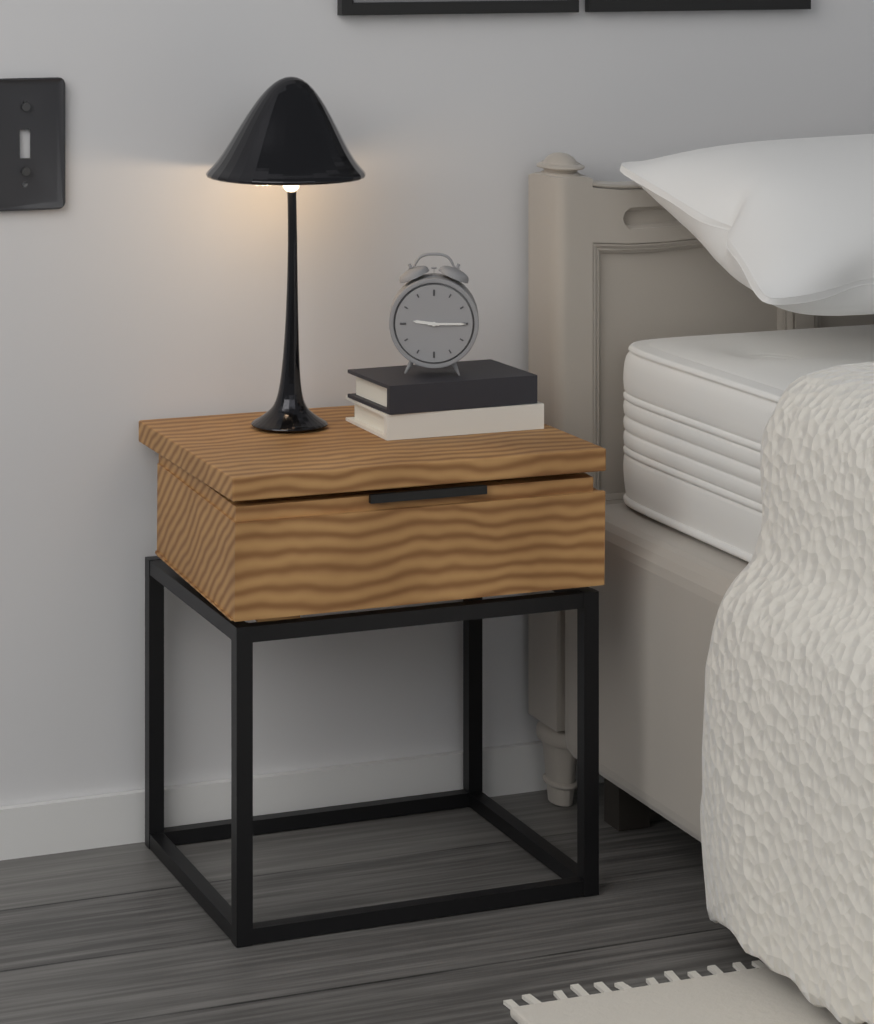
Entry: 9 h 15 min
